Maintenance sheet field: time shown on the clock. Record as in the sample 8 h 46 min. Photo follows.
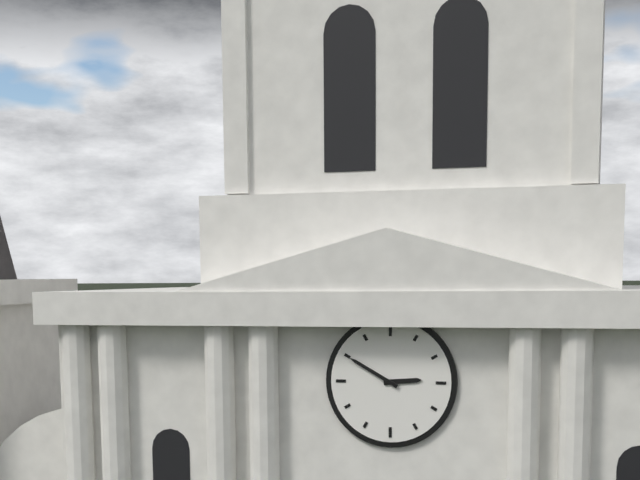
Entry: 2 h 50 min
